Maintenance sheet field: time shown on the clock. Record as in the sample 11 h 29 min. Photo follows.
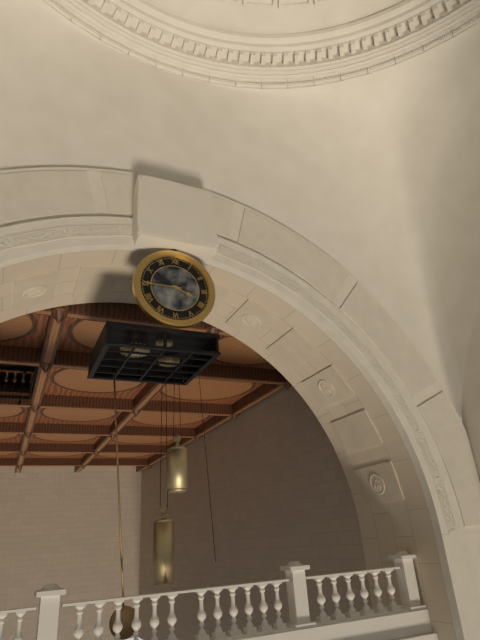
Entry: 3 h 45 min
